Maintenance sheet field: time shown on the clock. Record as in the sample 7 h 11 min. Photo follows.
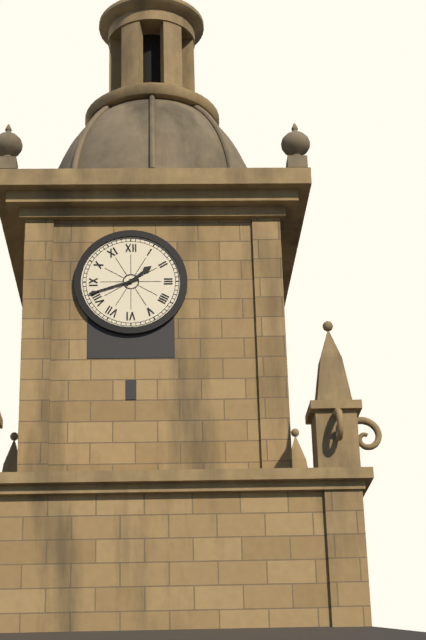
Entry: 1 h 42 min
